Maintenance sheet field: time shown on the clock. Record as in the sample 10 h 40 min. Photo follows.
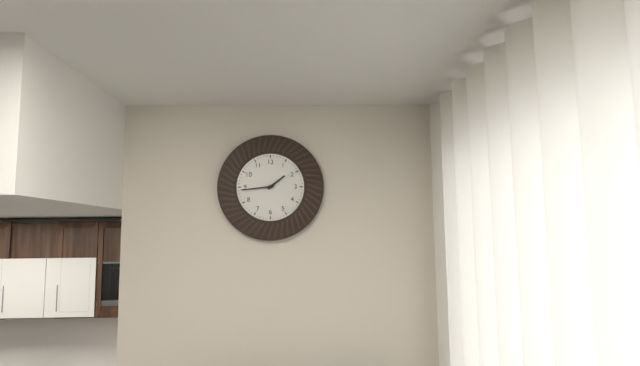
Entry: 1 h 44 min
